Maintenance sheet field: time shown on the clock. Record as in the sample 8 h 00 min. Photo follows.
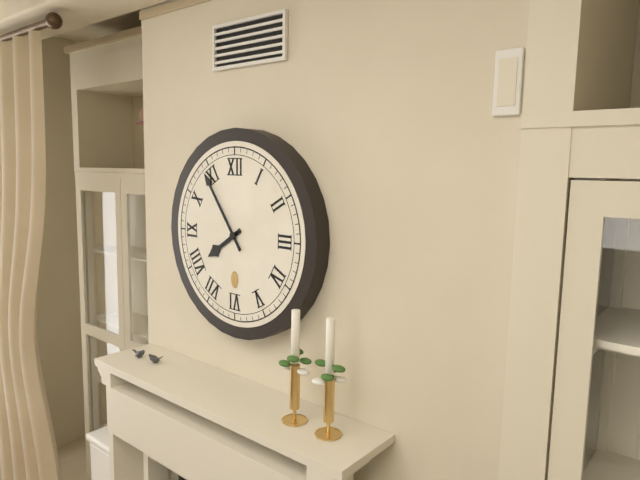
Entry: 7 h 54 min
